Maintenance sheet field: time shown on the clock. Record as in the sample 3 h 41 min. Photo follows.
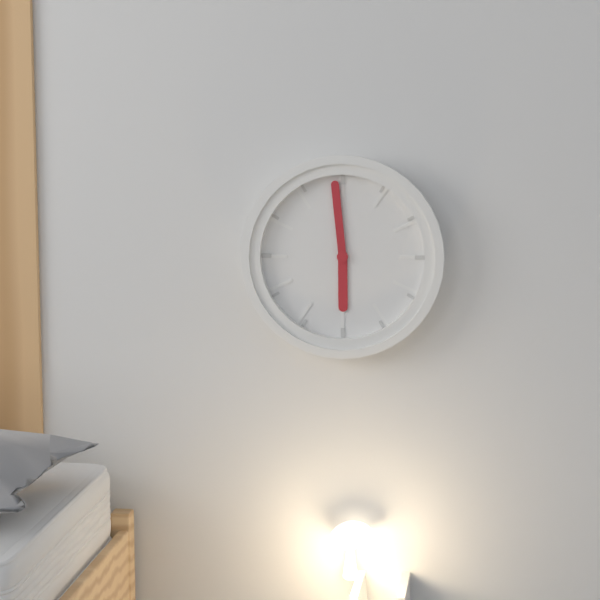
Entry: 5 h 59 min
